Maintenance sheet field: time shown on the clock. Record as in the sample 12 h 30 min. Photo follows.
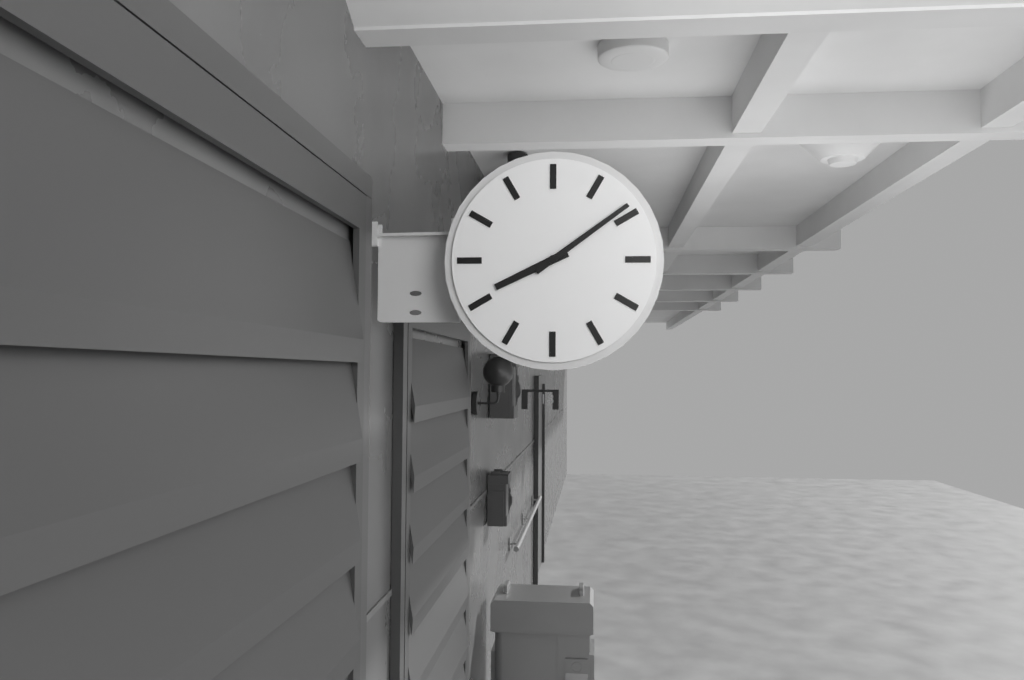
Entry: 8 h 09 min
